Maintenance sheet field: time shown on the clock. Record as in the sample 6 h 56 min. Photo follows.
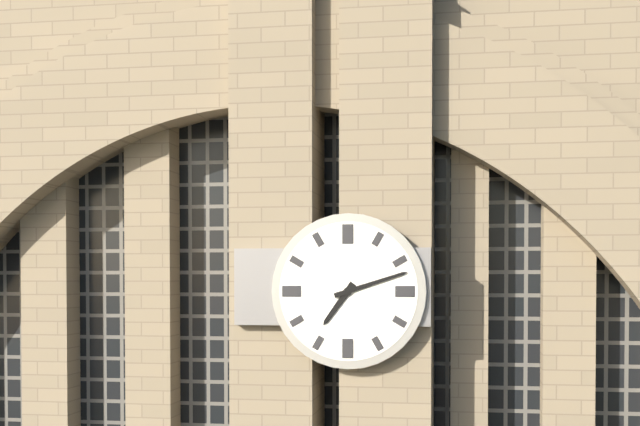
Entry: 7 h 12 min
